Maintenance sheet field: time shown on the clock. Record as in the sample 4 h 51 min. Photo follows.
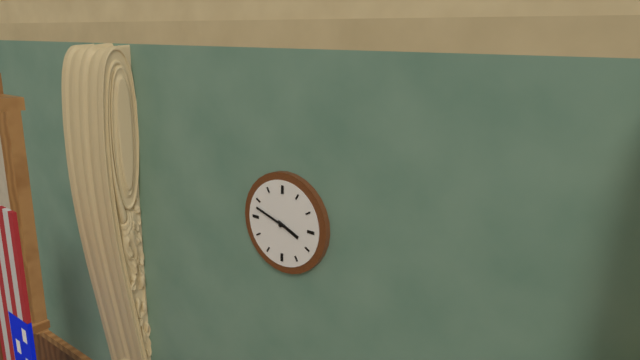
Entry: 3 h 48 min
